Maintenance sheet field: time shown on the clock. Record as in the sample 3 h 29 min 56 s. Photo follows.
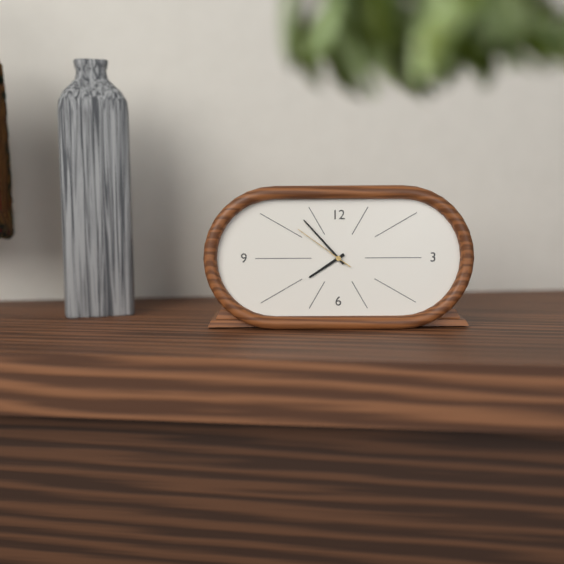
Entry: 7 h 53 min 51 s
